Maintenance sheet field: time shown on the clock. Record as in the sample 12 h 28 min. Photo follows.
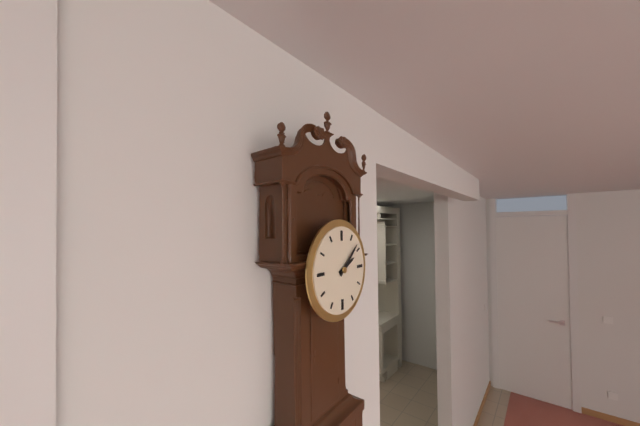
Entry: 2 h 08 min
